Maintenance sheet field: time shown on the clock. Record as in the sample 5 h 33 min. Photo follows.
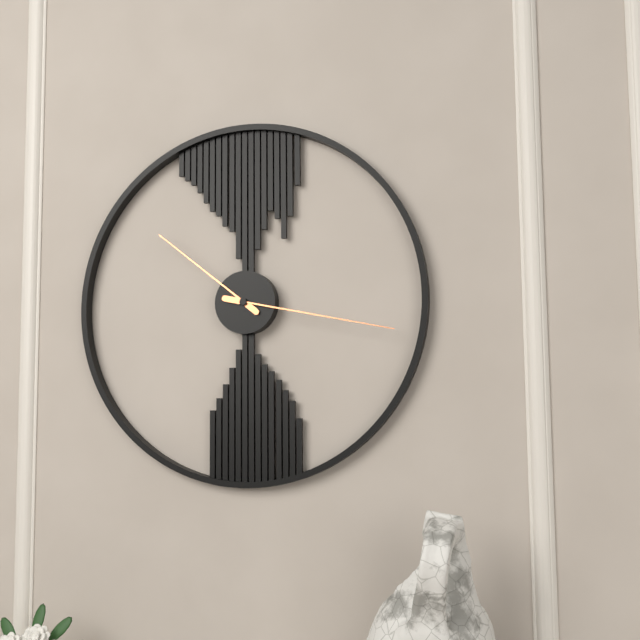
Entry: 10 h 17 min
